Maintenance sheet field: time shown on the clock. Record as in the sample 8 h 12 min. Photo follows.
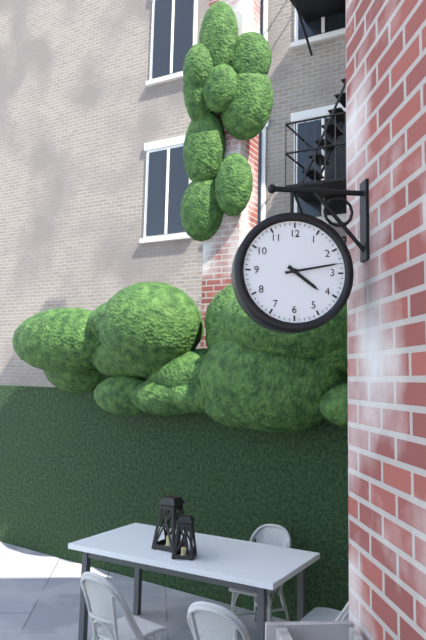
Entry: 4 h 13 min
